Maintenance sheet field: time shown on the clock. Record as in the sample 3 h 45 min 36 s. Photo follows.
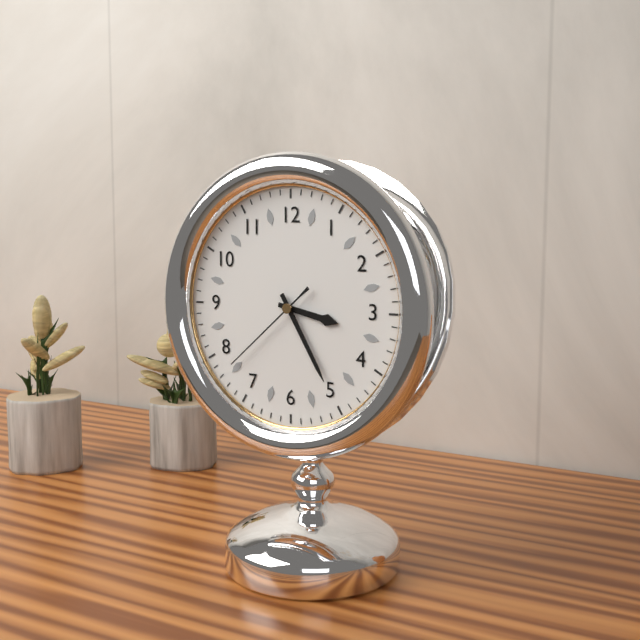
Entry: 3 h 25 min 38 s
